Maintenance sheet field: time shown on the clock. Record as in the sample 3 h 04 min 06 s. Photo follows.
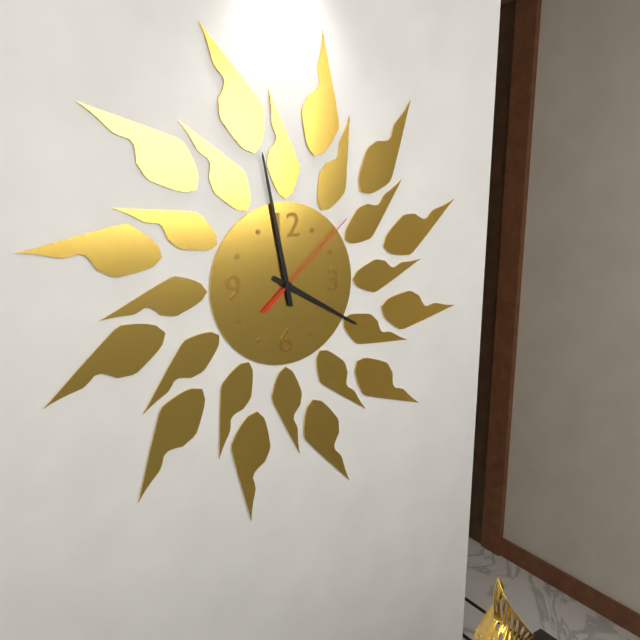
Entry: 3 h 58 min 08 s
